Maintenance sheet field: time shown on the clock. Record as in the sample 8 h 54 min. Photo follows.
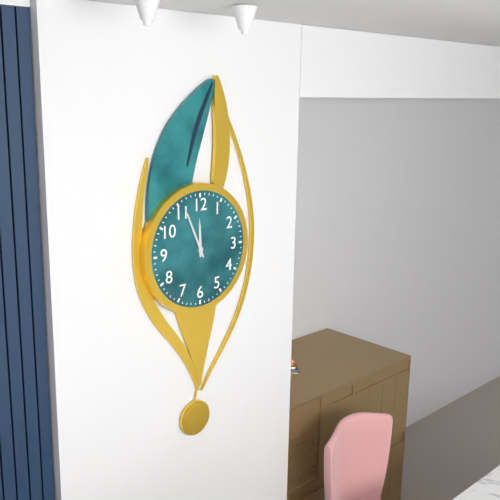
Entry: 11 h 56 min
